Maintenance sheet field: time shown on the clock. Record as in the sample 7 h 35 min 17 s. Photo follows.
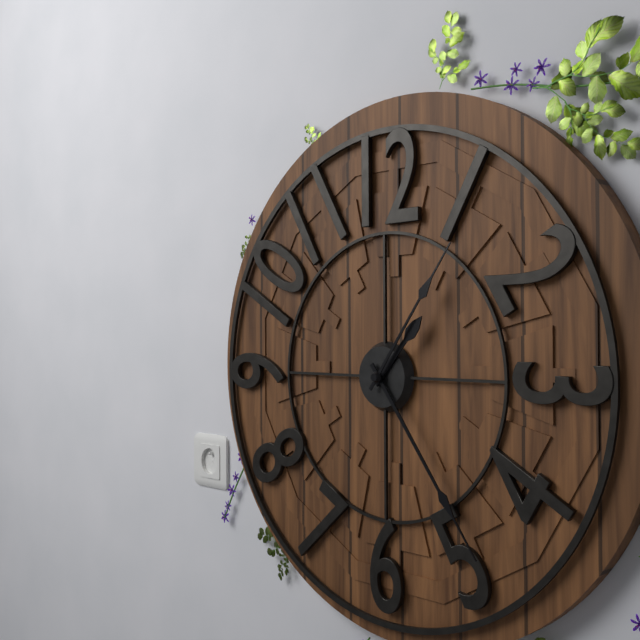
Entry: 1 h 24 min 06 s
